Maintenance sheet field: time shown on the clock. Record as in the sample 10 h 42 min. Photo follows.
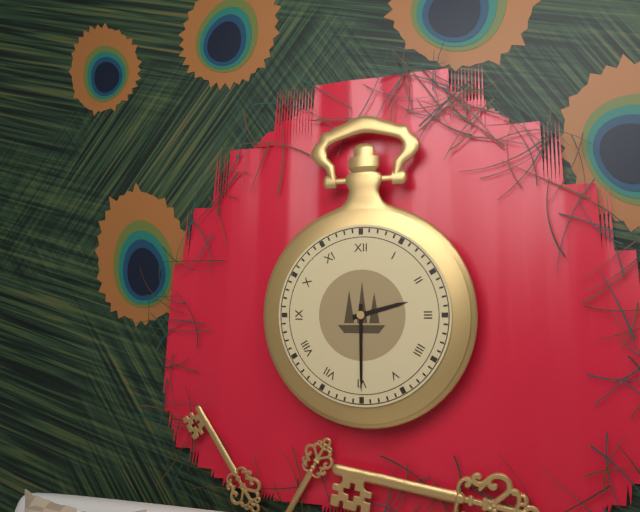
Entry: 2 h 30 min
